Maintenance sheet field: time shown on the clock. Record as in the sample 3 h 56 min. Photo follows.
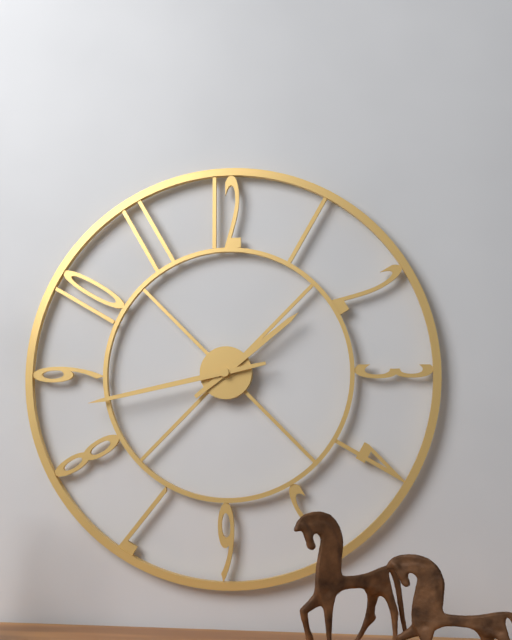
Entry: 1 h 43 min
